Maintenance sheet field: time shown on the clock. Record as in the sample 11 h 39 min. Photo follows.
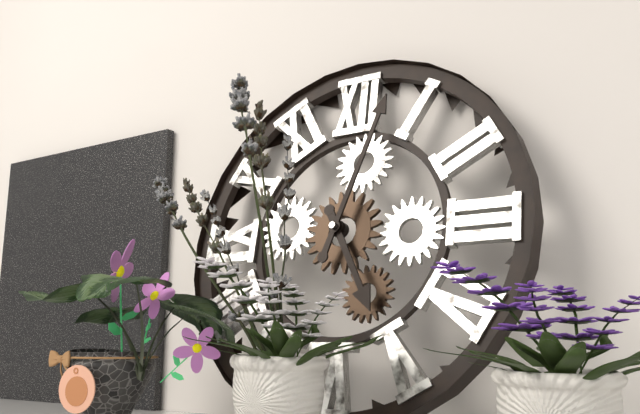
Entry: 5 h 03 min
